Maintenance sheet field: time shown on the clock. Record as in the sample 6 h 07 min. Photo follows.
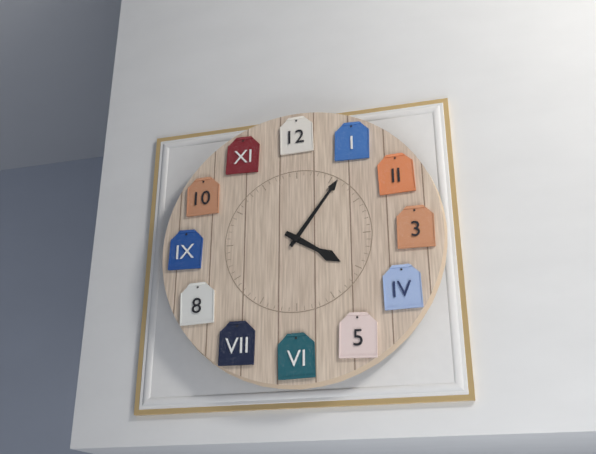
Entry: 4 h 06 min
